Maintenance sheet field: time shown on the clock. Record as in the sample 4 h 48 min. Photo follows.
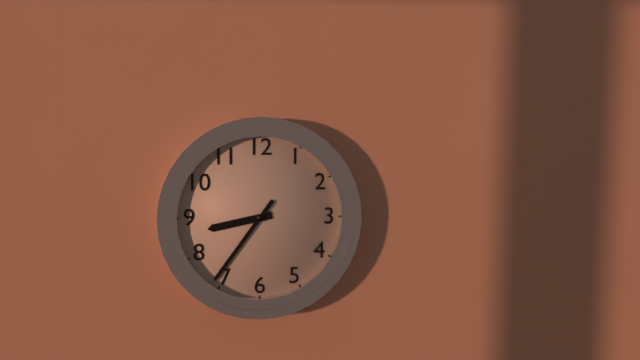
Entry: 8 h 36 min
